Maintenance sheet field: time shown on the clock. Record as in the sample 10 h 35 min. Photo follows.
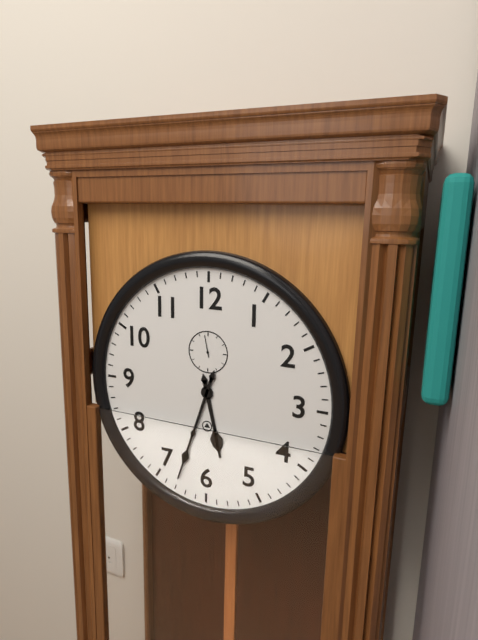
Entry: 5 h 33 min
